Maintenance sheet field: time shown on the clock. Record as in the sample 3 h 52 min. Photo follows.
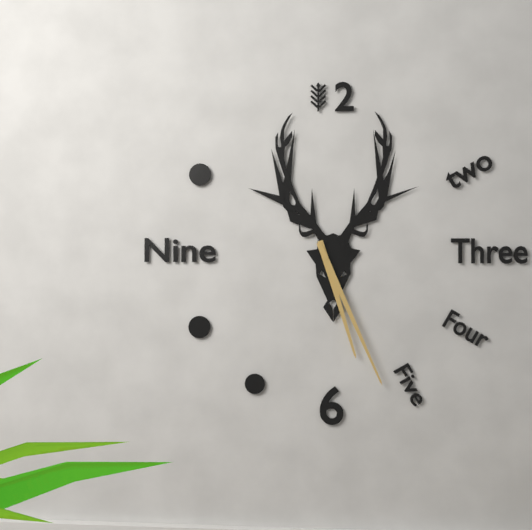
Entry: 5 h 26 min
